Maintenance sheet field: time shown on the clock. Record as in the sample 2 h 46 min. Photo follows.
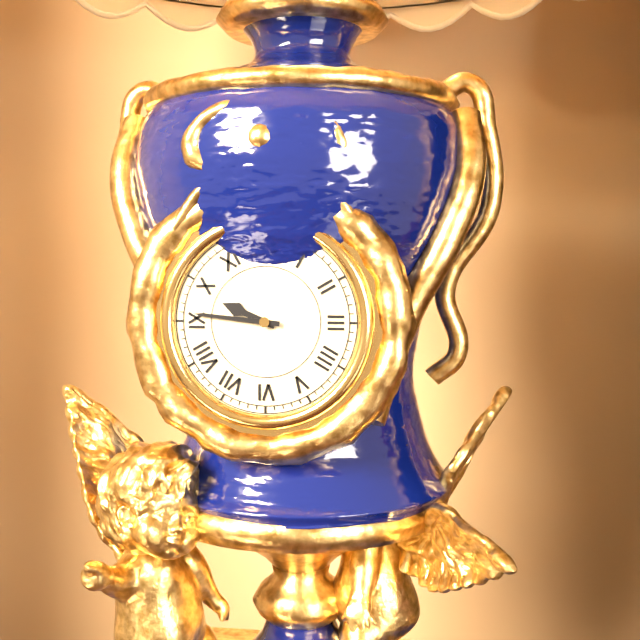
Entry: 9 h 46 min
